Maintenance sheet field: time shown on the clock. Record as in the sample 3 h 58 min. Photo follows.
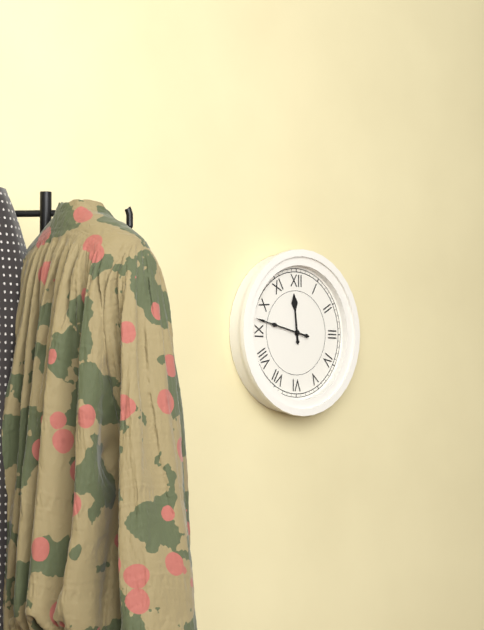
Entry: 11 h 47 min
